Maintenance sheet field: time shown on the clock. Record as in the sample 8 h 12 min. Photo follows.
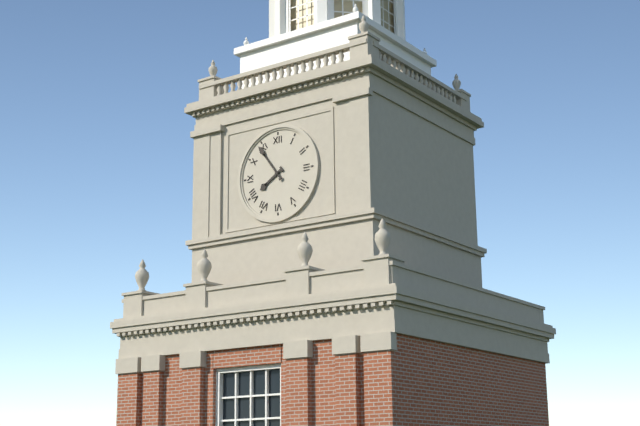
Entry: 7 h 54 min
